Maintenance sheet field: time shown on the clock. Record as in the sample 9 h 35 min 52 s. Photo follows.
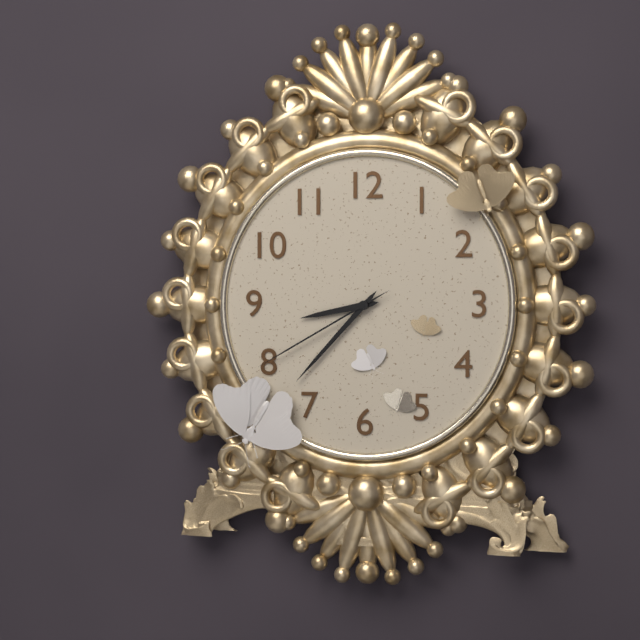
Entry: 8 h 37 min 40 s
